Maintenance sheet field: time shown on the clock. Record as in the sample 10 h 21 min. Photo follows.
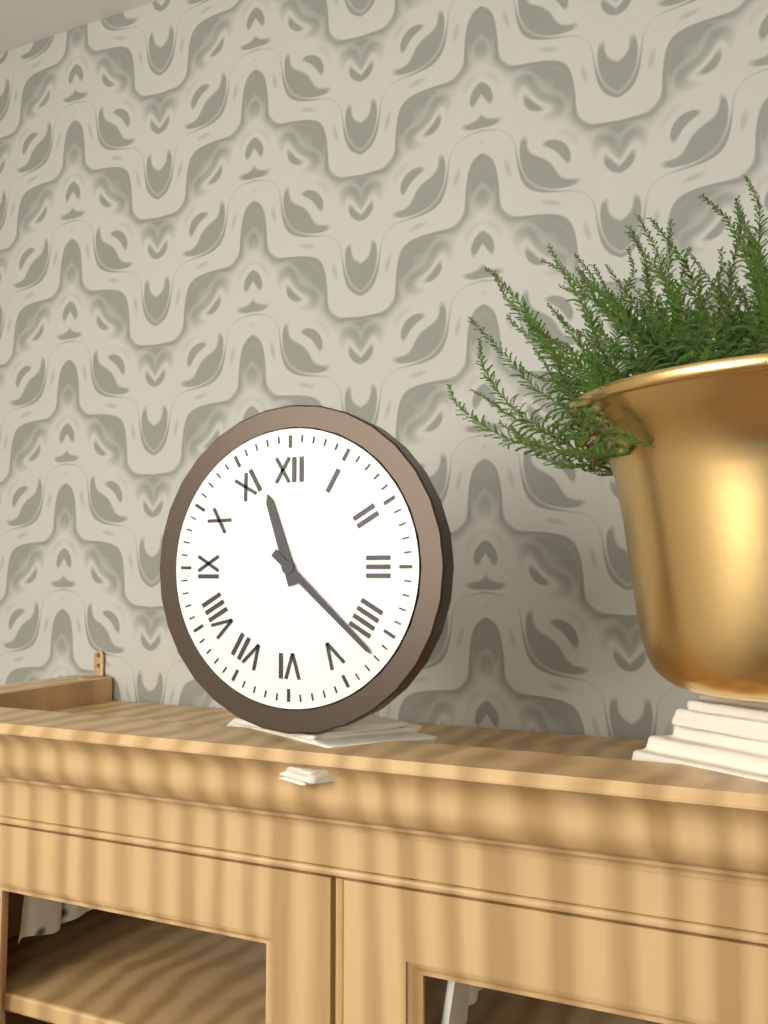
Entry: 11 h 22 min
